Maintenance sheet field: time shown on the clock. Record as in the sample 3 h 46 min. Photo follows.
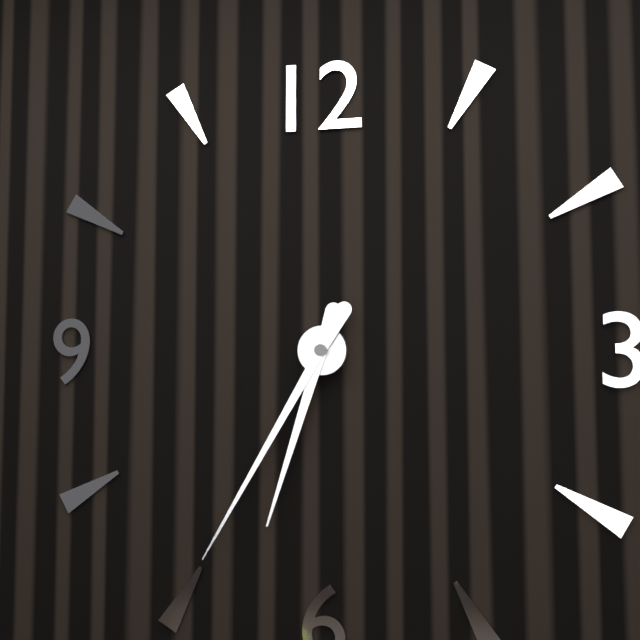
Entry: 6 h 35 min
